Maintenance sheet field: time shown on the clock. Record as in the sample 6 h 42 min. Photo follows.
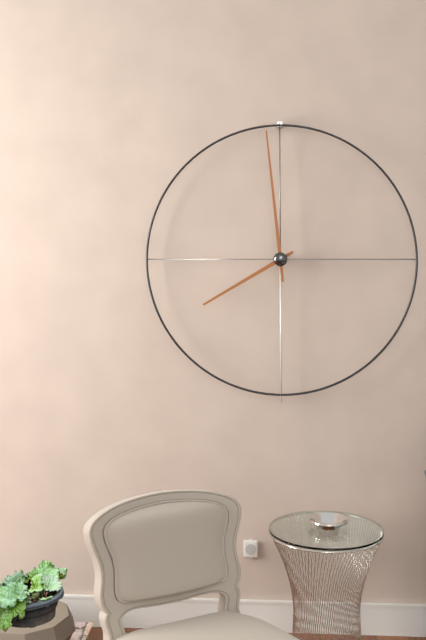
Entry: 7 h 59 min
